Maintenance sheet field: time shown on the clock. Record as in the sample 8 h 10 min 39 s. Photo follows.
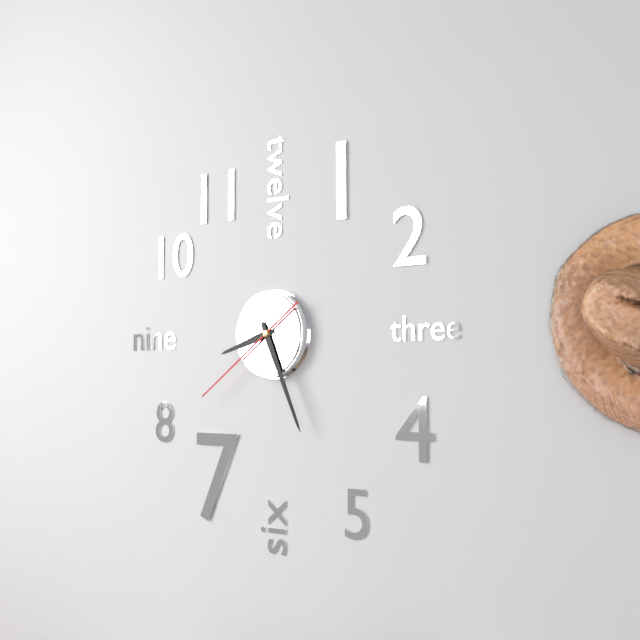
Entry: 8 h 26 min 39 s
